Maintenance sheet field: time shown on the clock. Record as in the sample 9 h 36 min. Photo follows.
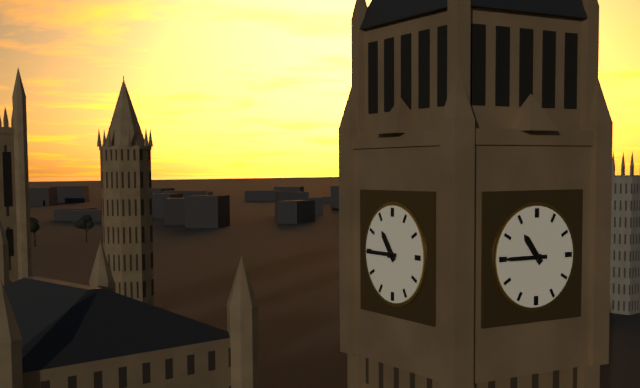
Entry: 10 h 45 min
